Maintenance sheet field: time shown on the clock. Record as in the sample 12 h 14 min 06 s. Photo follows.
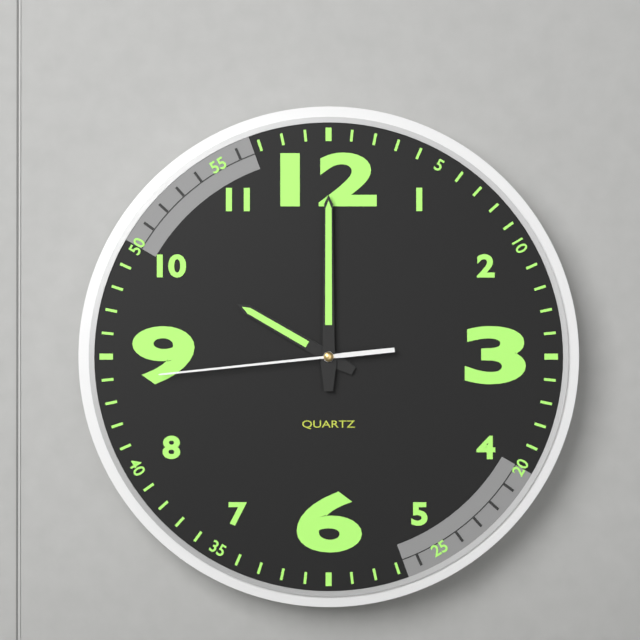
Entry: 10 h 00 min 44 s
